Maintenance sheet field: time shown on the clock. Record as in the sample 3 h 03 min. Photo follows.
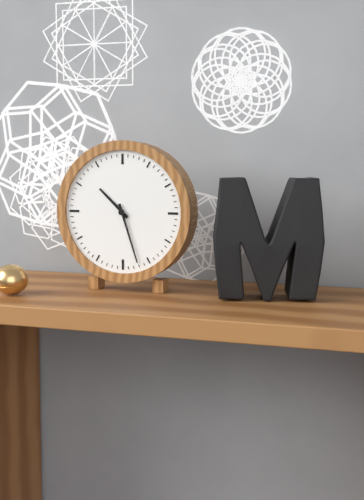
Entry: 10 h 27 min
